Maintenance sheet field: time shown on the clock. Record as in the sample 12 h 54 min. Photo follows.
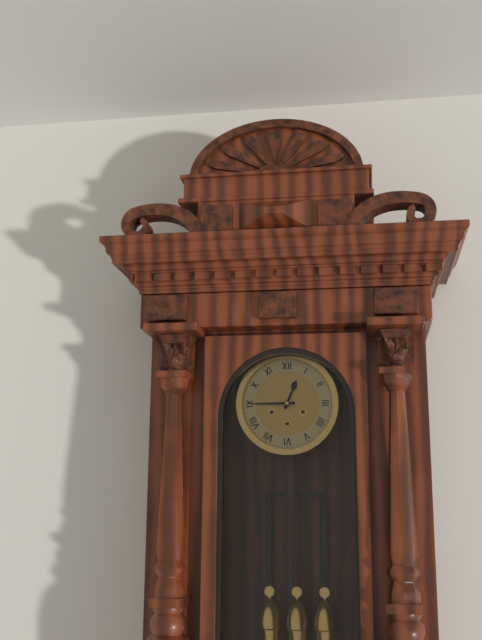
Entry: 12 h 45 min
